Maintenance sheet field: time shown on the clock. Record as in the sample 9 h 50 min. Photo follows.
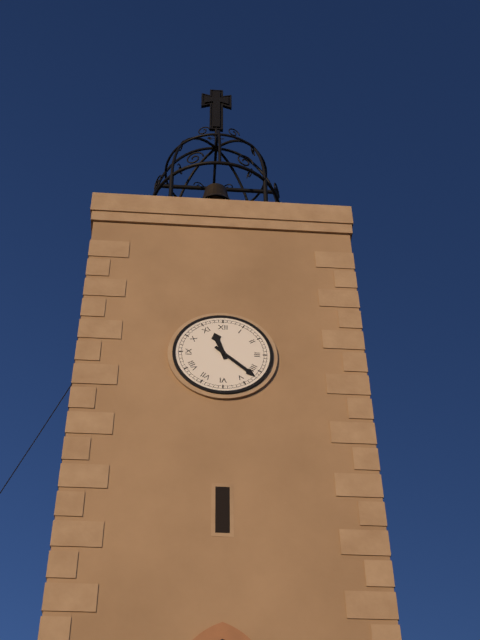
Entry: 11 h 22 min
